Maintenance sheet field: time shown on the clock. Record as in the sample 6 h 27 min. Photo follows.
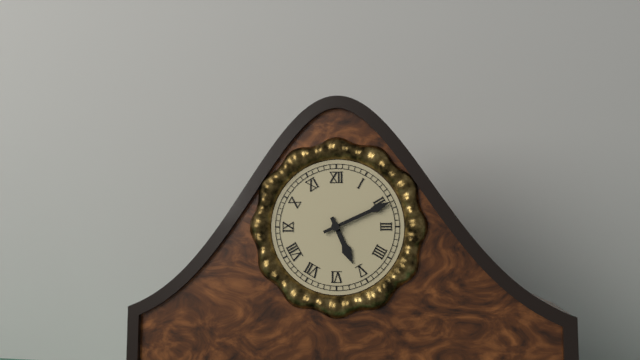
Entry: 5 h 11 min
